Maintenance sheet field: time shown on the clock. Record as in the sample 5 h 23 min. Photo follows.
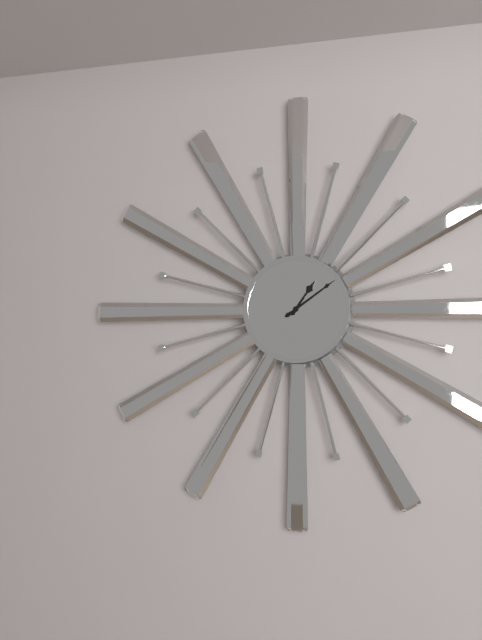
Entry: 1 h 09 min
